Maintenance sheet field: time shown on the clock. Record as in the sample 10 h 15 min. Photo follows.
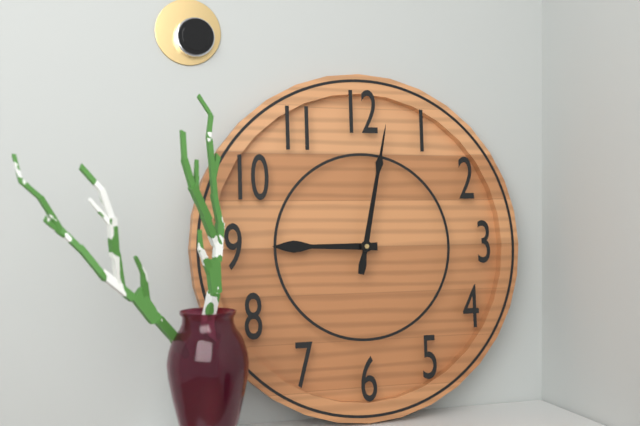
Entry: 9 h 02 min
